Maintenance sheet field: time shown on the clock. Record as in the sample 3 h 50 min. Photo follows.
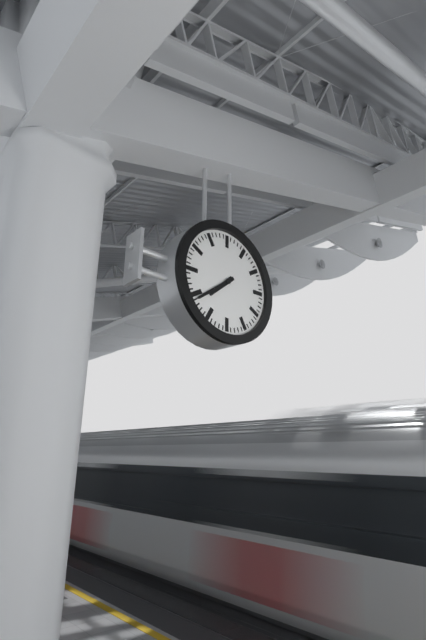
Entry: 7 h 39 min
